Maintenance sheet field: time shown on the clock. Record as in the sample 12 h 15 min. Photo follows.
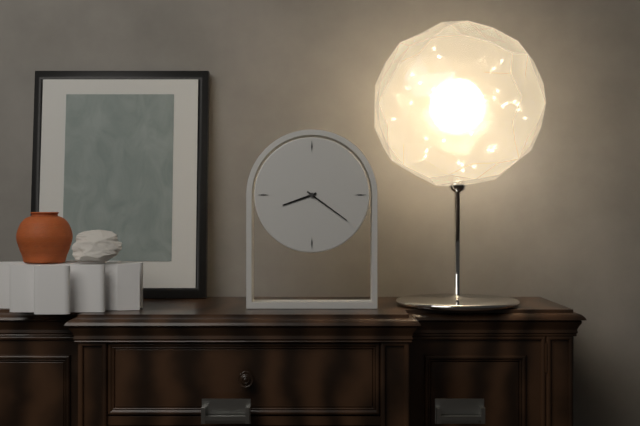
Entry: 8 h 21 min
